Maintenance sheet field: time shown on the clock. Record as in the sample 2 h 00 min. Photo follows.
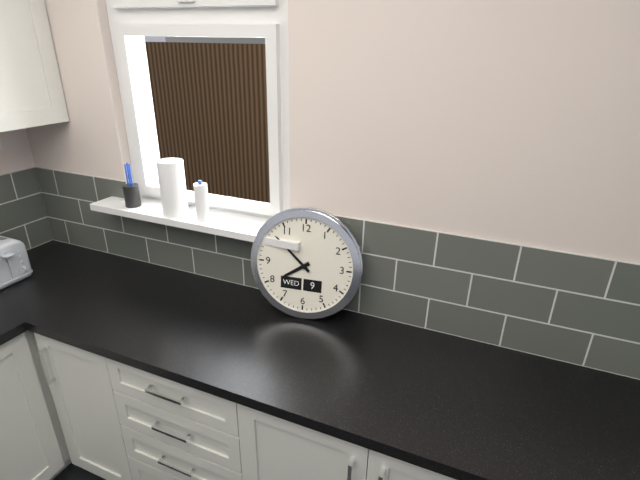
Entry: 7 h 52 min
